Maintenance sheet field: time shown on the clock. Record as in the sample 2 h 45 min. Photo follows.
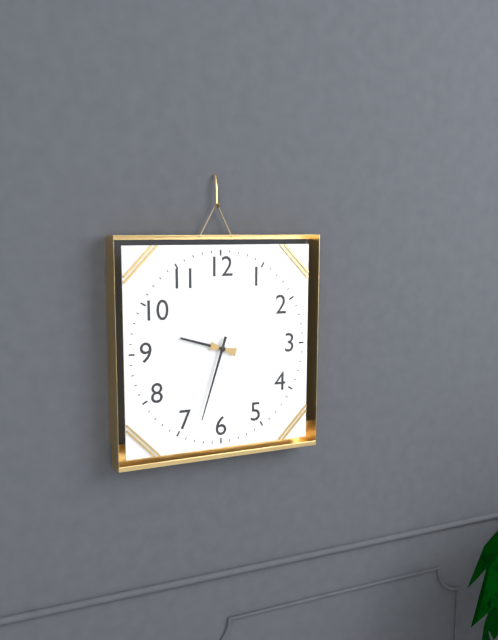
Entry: 9 h 33 min
